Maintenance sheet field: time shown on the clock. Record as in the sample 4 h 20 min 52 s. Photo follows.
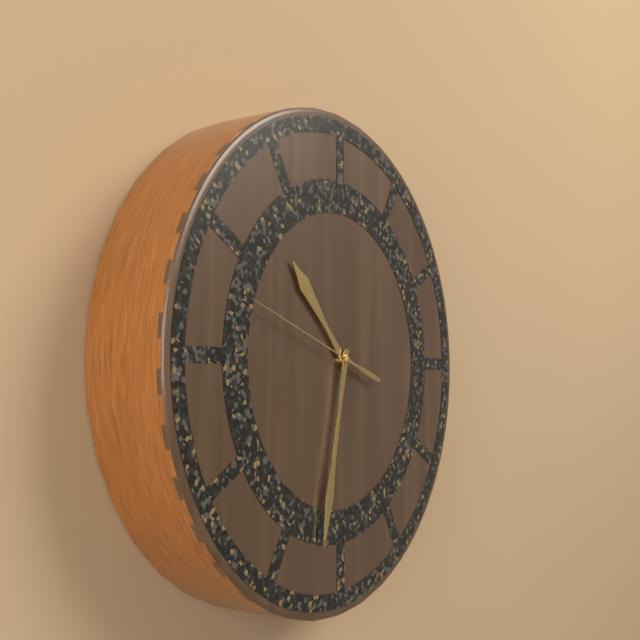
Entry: 10 h 32 min 48 s
